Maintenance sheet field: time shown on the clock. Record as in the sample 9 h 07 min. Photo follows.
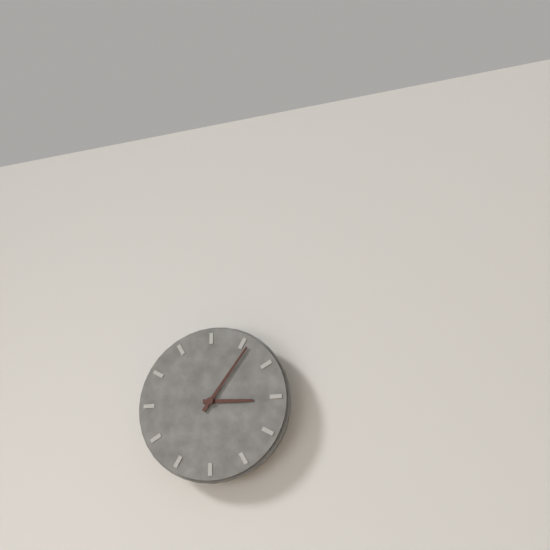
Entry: 3 h 06 min
